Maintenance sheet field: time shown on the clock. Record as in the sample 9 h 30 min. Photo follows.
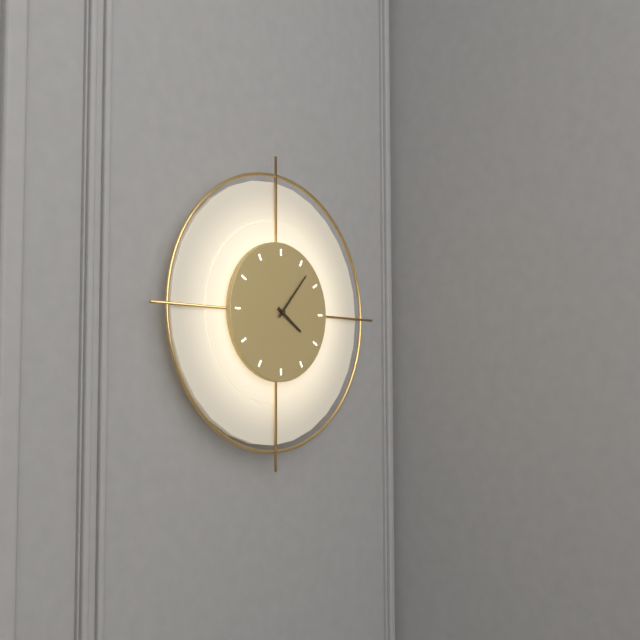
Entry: 4 h 07 min
